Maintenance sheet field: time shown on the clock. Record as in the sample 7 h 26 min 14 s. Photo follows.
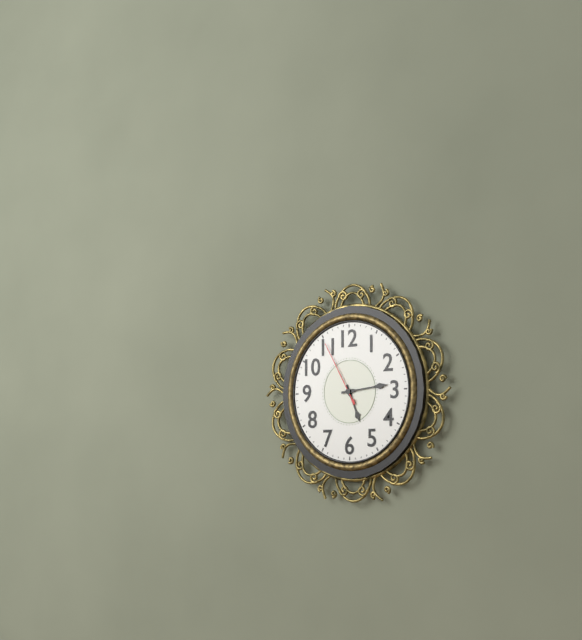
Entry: 5 h 14 min 55 s
